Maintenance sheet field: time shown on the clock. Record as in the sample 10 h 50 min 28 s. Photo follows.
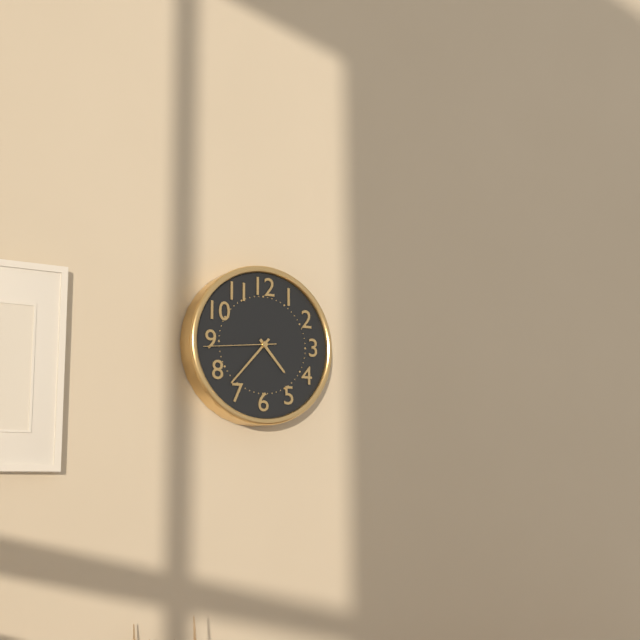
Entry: 4 h 37 min 44 s
